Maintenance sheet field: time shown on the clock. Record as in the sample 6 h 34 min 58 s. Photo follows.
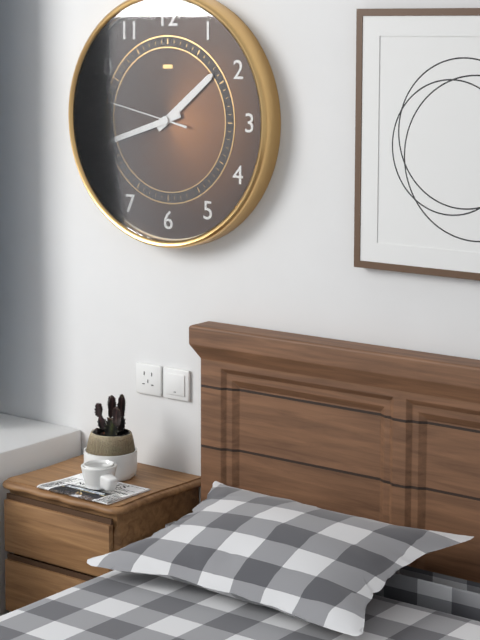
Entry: 1 h 42 min 47 s
